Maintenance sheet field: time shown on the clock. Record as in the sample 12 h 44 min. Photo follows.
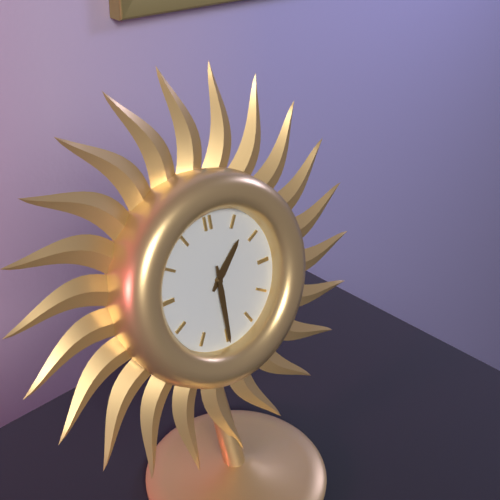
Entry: 1 h 30 min
